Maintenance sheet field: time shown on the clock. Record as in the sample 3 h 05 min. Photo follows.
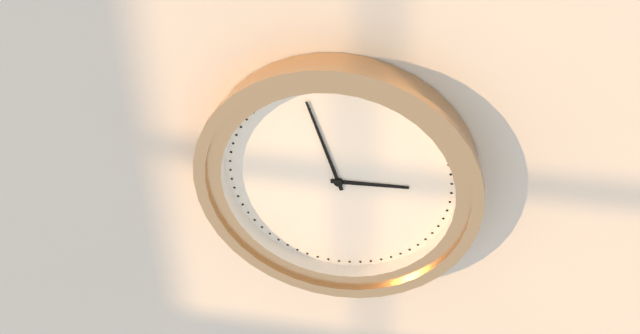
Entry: 2 h 57 min
